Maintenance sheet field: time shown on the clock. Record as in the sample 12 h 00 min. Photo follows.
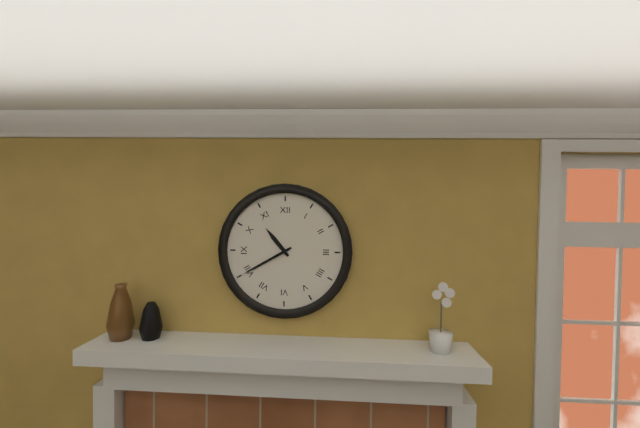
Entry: 10 h 40 min
